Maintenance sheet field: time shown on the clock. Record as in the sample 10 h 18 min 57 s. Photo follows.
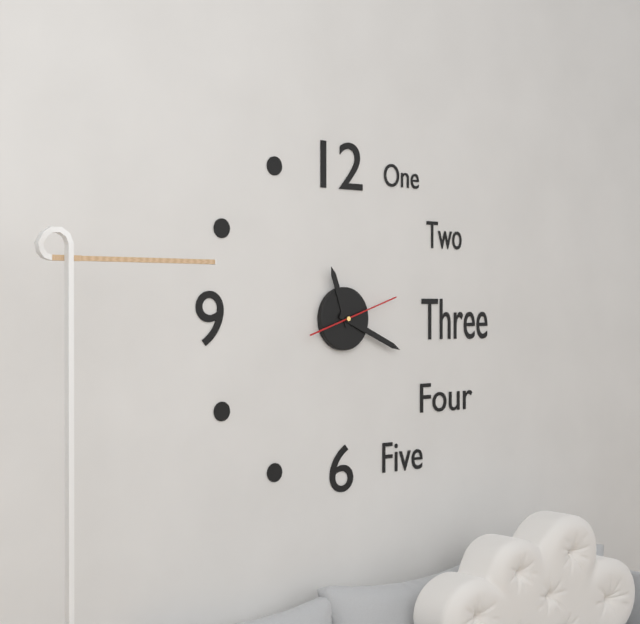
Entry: 11 h 19 min 12 s
